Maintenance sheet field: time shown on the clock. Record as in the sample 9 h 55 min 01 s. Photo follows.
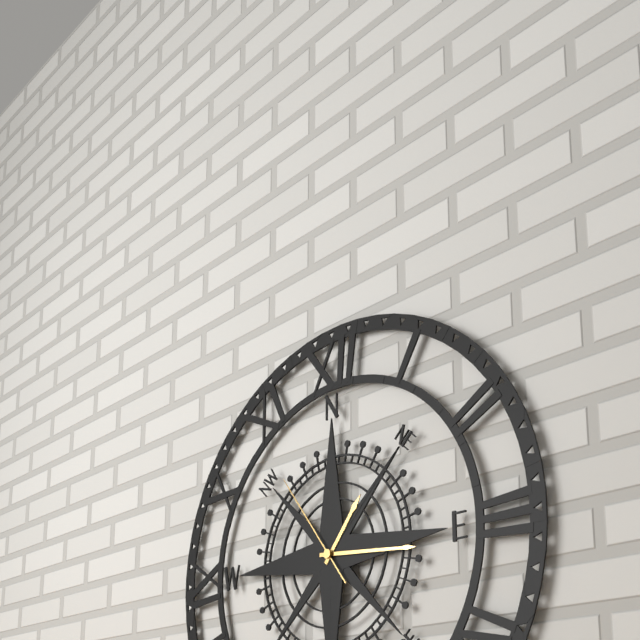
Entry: 1 h 16 min 54 s
